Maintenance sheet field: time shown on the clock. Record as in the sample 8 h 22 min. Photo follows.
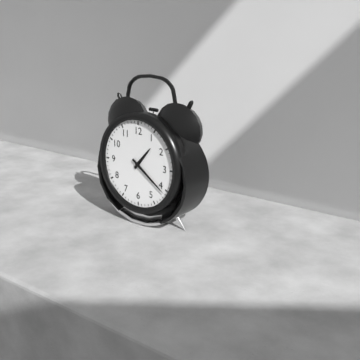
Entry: 1 h 21 min
